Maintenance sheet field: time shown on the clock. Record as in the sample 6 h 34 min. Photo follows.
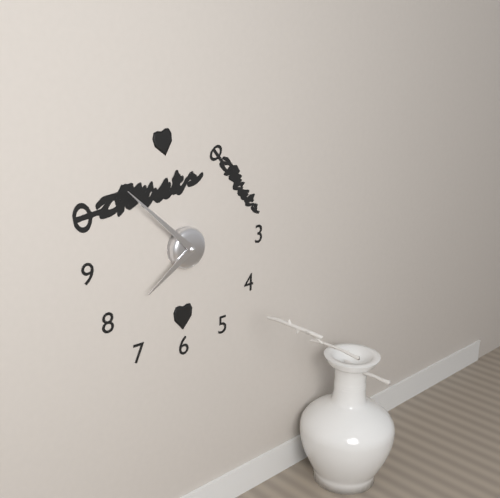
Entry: 7 h 52 min
